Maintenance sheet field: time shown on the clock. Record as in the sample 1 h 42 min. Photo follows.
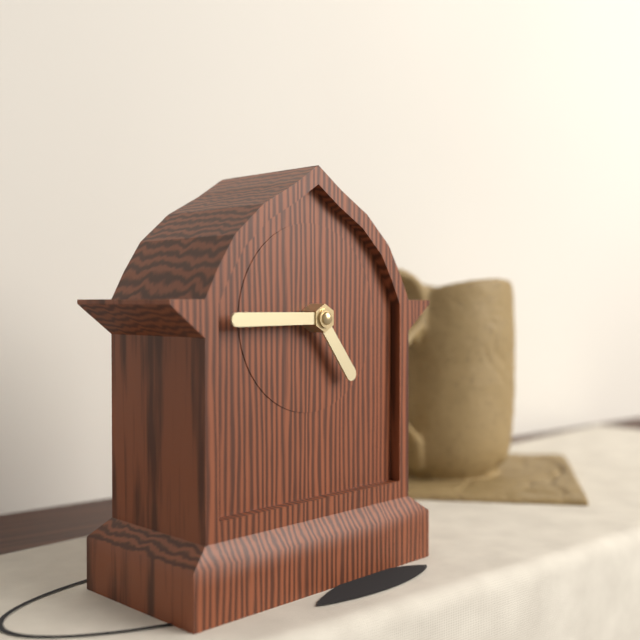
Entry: 4 h 45 min
